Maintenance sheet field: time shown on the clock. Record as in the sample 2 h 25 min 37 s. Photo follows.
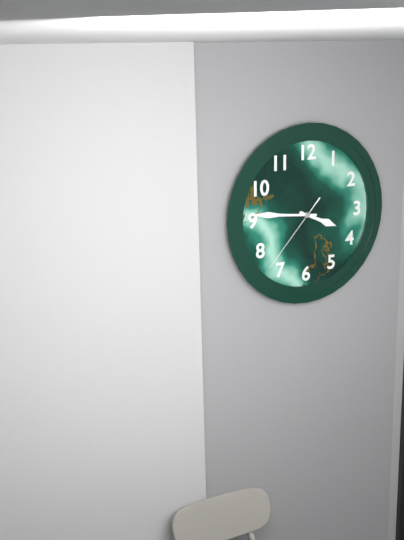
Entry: 3 h 46 min 37 s
